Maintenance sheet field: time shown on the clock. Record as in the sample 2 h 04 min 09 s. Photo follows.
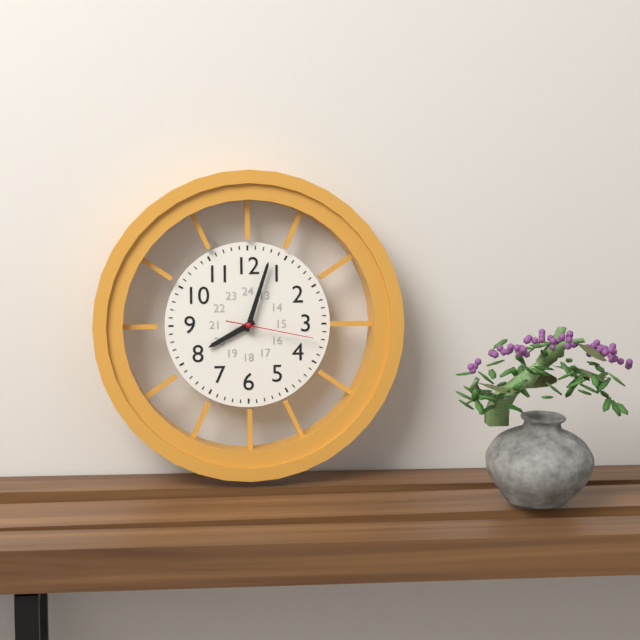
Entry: 8 h 03 min 17 s
